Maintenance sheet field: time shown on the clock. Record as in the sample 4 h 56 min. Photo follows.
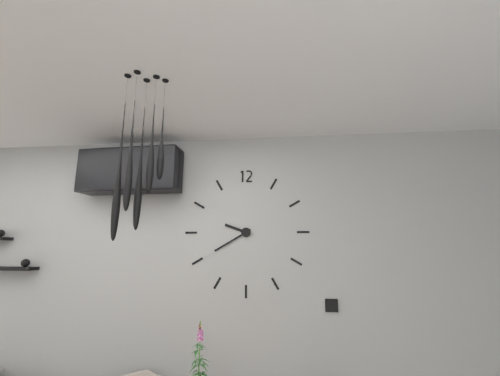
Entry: 9 h 40 min
